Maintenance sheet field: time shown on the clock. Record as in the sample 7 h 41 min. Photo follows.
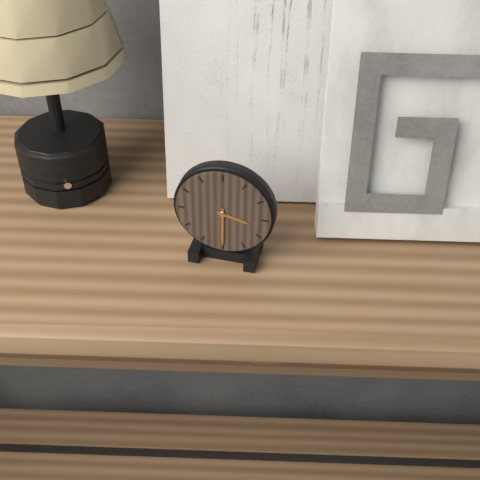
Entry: 3 h 30 min
